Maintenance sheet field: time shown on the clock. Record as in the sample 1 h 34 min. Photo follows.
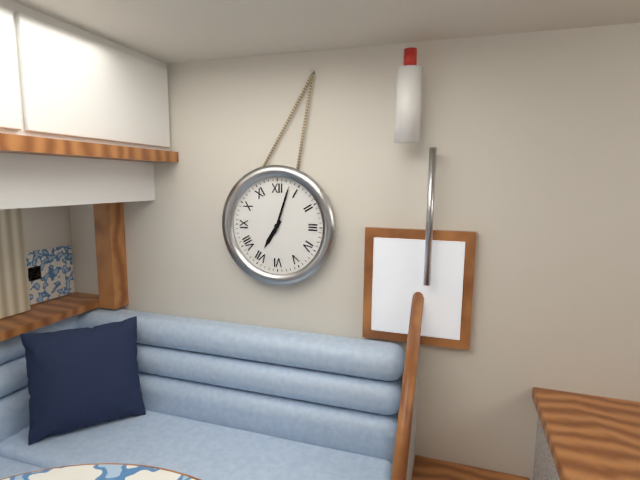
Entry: 7 h 03 min
